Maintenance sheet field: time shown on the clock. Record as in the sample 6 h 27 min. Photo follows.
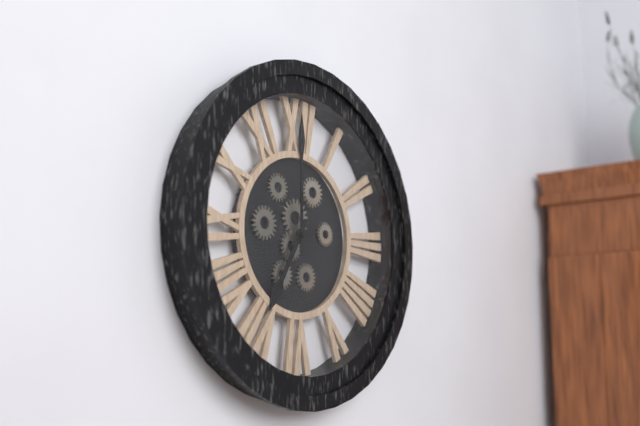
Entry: 7 h 00 min
